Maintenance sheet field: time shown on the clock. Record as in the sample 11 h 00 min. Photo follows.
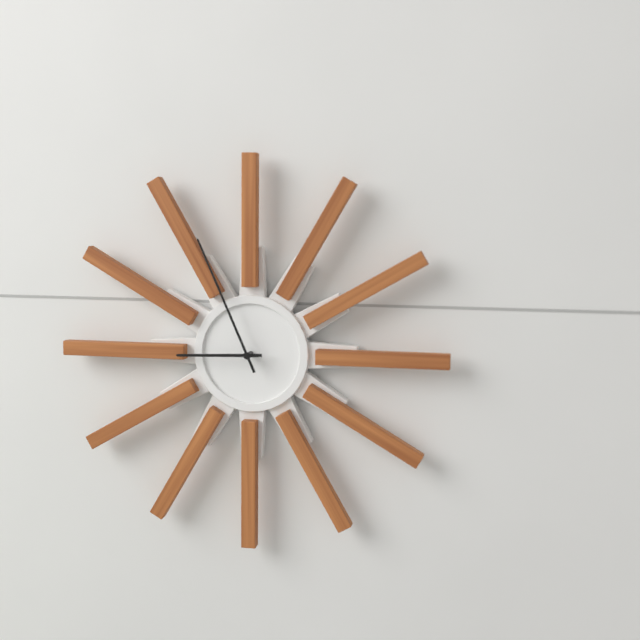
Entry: 8 h 56 min
